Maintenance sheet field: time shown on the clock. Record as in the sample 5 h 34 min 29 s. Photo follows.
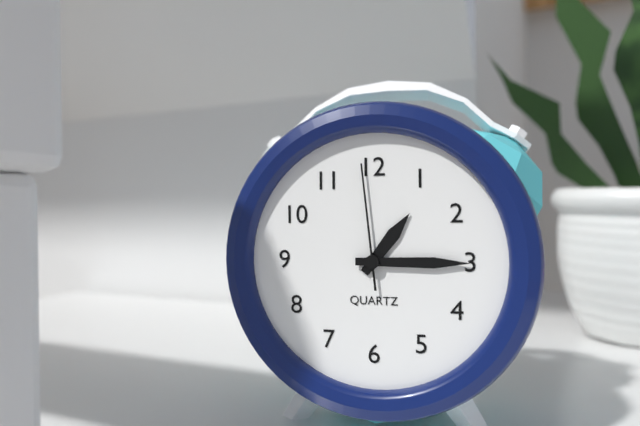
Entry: 1 h 15 min 59 s
